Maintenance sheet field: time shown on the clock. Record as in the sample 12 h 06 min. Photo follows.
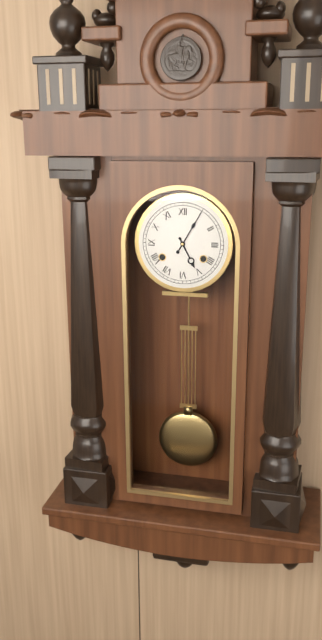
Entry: 5 h 05 min
